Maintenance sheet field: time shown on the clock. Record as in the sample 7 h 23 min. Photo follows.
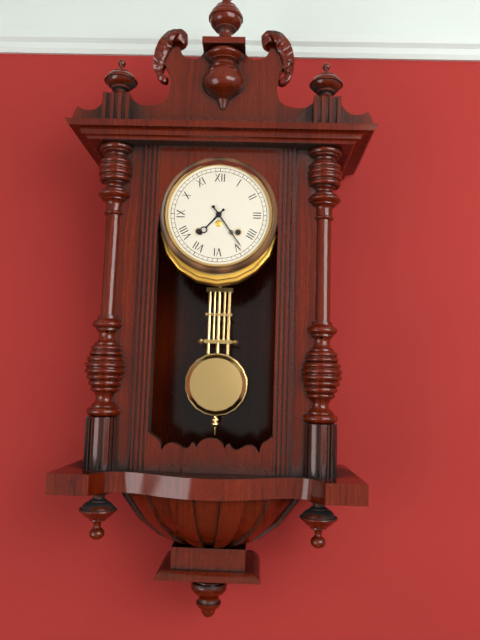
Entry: 7 h 24 min
